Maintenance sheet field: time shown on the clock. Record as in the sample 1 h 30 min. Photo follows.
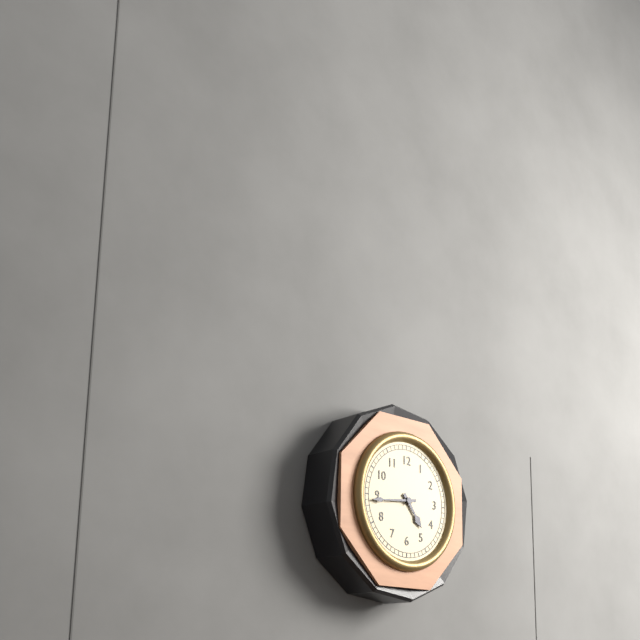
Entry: 4 h 44 min
